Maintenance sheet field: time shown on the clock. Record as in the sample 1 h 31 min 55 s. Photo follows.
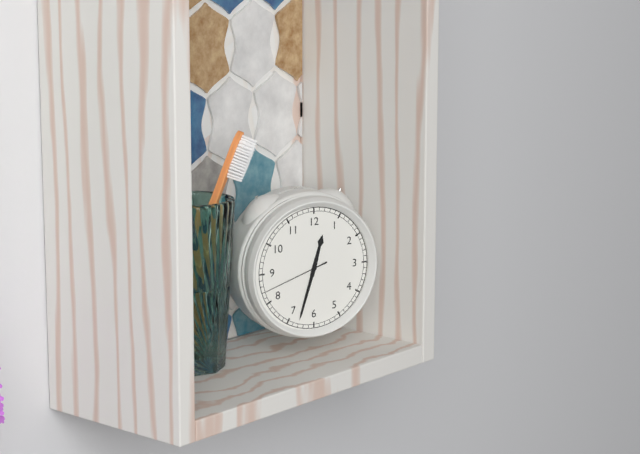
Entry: 12 h 33 min 42 s
